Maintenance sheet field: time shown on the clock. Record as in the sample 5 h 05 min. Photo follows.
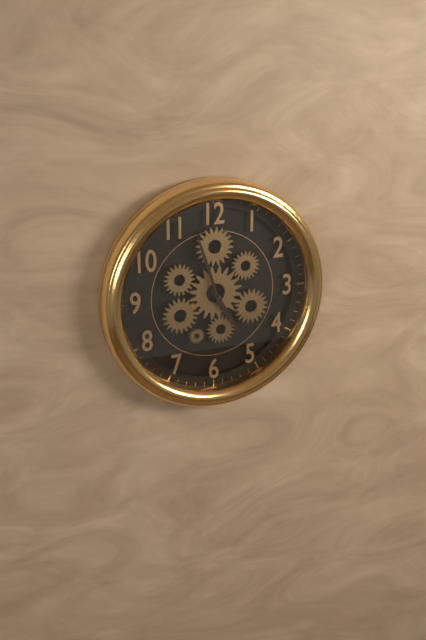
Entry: 4 h 57 min
